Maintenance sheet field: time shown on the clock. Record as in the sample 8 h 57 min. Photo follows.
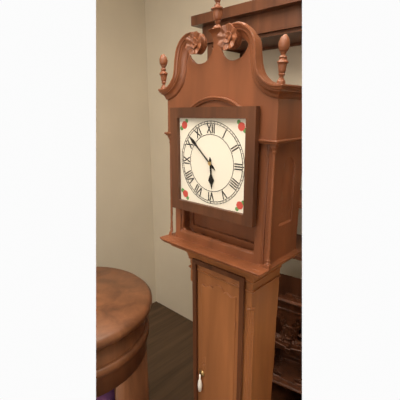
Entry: 5 h 52 min
